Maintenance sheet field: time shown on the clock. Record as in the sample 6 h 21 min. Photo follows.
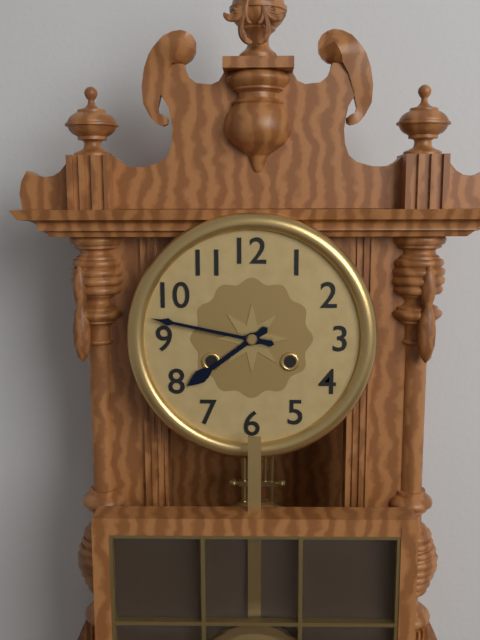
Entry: 7 h 47 min
